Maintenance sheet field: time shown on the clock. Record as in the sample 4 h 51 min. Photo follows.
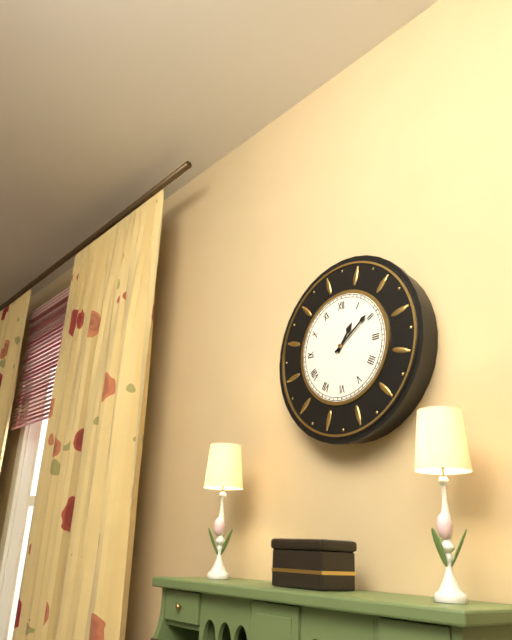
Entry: 1 h 09 min
